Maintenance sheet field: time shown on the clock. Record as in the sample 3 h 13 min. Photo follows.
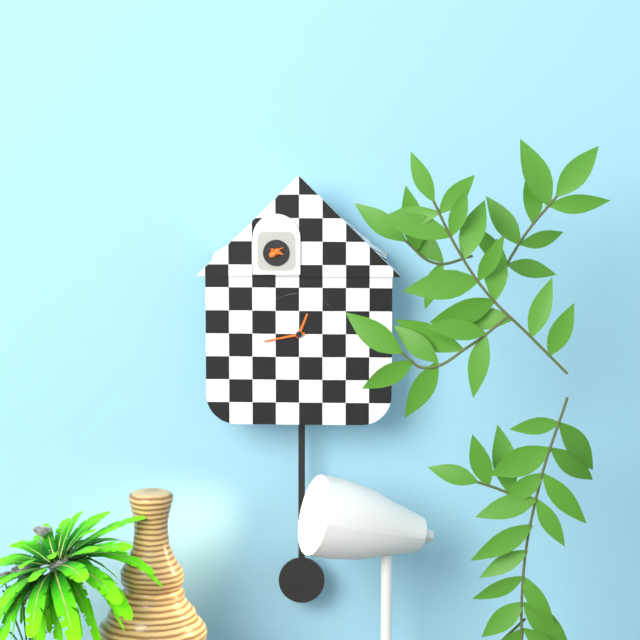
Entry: 12 h 43 min
